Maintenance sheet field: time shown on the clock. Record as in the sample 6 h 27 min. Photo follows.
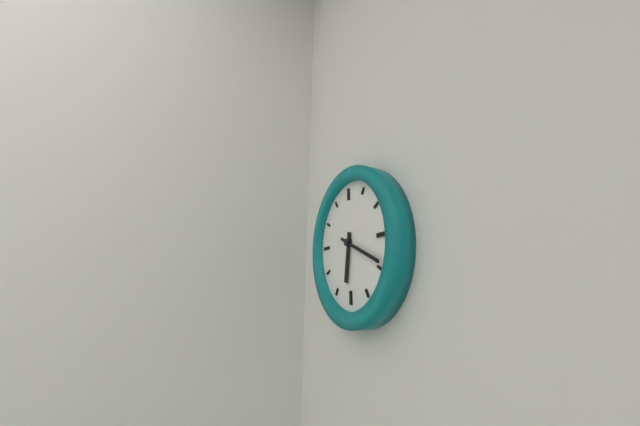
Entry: 6 h 19 min
